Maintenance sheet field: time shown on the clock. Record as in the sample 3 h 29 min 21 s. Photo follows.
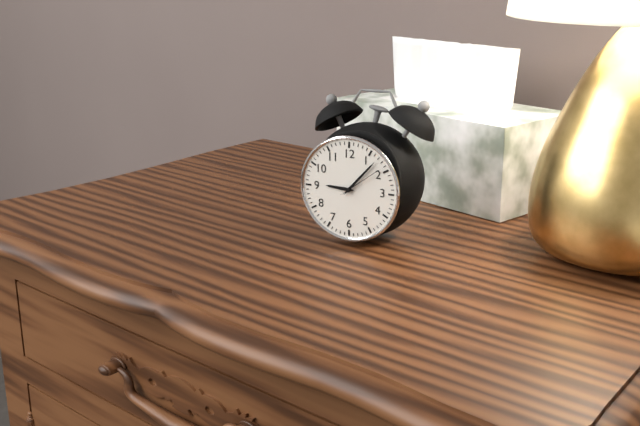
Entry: 9 h 07 min 09 s
